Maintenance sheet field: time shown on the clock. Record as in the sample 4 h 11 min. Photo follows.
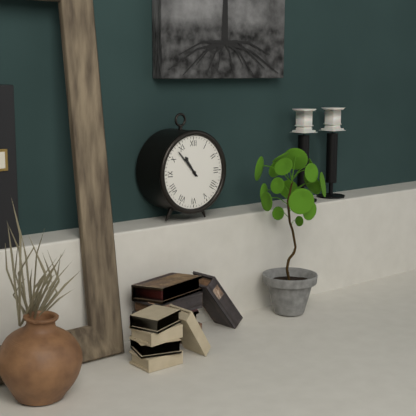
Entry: 10 h 53 min
